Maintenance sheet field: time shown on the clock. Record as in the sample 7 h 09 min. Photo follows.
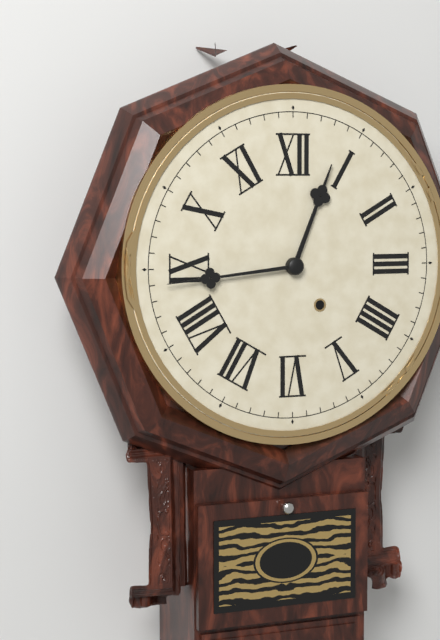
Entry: 12 h 44 min
